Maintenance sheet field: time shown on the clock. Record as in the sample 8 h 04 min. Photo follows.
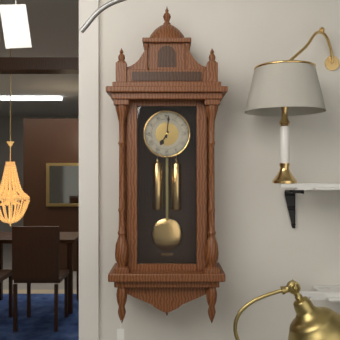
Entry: 7 h 01 min
